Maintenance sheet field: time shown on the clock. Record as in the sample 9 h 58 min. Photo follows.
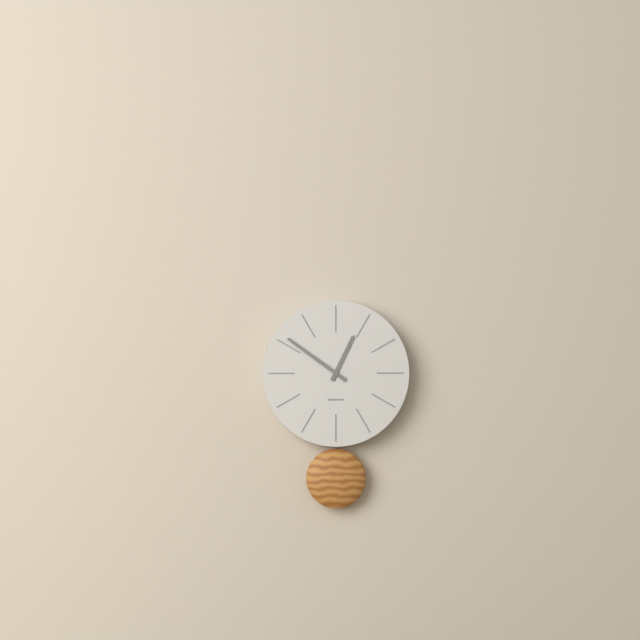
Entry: 12 h 51 min
